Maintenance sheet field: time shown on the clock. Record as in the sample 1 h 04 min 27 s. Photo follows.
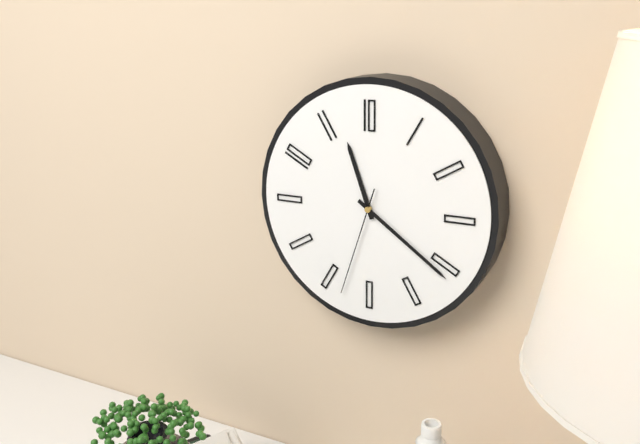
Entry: 11 h 21 min 33 s
